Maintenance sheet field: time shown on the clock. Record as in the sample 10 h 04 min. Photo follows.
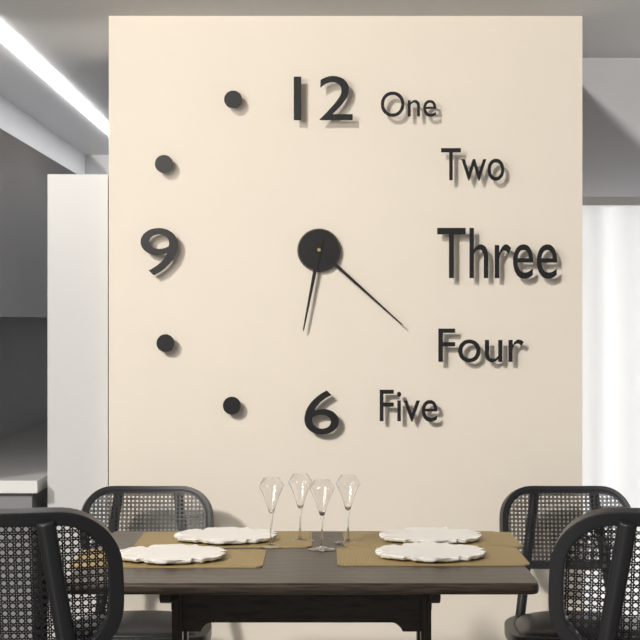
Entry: 6 h 22 min
